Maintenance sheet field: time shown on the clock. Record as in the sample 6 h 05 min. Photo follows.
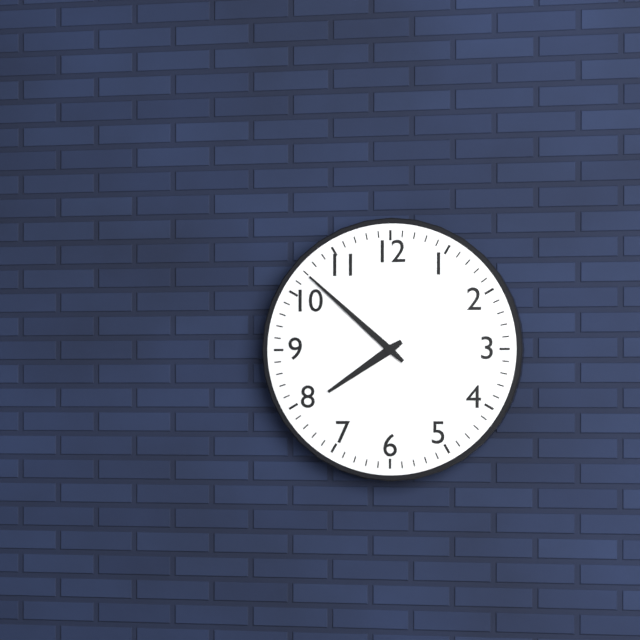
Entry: 7 h 52 min
